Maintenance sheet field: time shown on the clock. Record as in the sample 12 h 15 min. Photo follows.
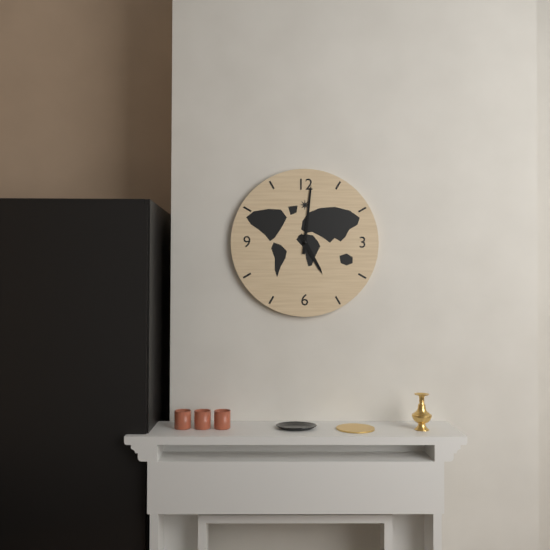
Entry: 5 h 01 min
